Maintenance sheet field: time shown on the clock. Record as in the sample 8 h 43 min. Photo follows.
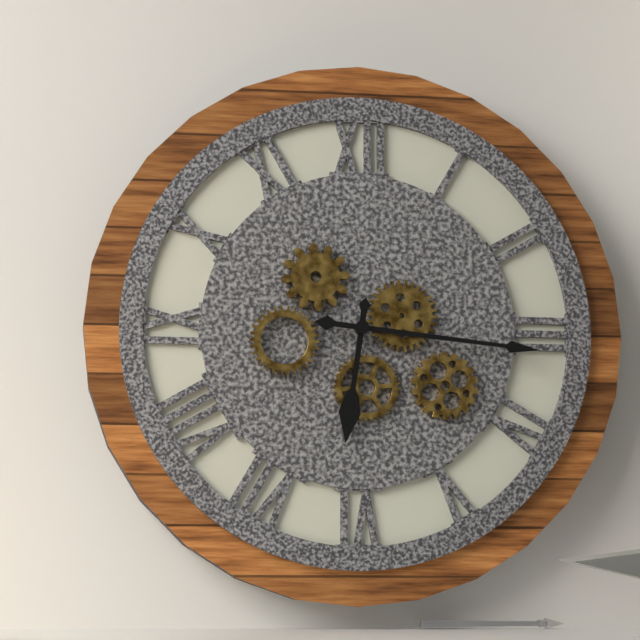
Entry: 6 h 16 min
